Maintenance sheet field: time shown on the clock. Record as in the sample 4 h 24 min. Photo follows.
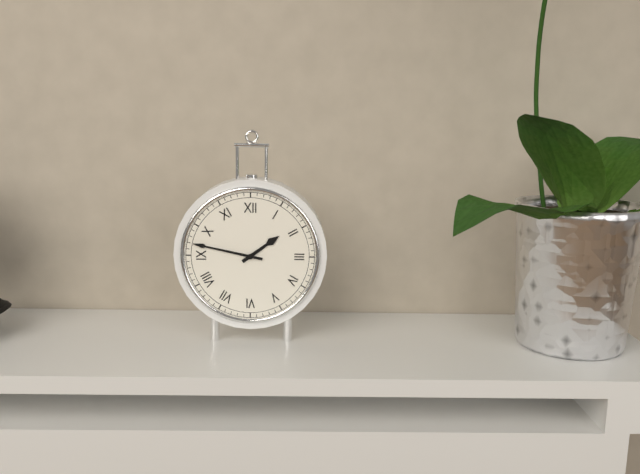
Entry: 1 h 47 min
